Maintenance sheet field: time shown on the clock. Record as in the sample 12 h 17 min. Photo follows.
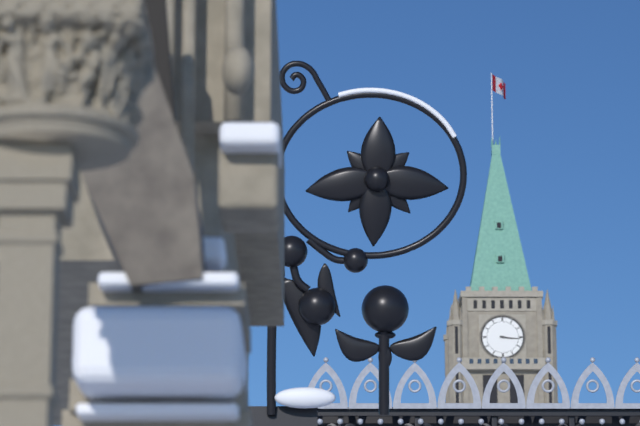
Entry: 3 h 16 min
